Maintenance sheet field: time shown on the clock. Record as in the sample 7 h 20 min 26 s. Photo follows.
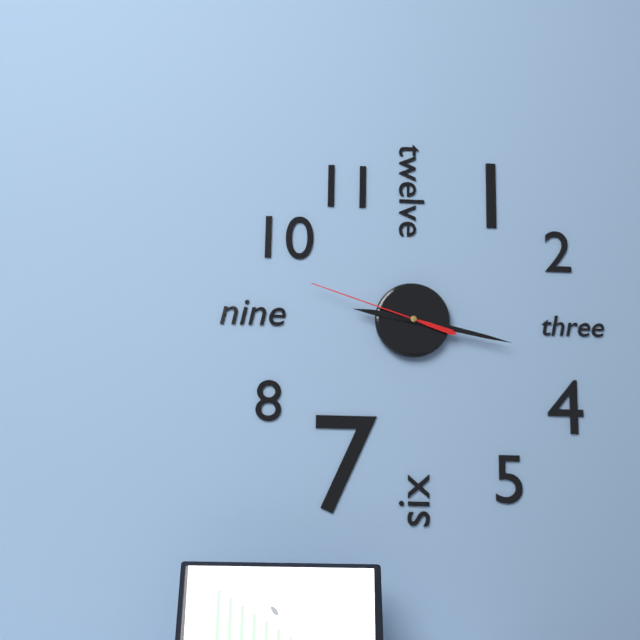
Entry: 9 h 17 min 48 s
